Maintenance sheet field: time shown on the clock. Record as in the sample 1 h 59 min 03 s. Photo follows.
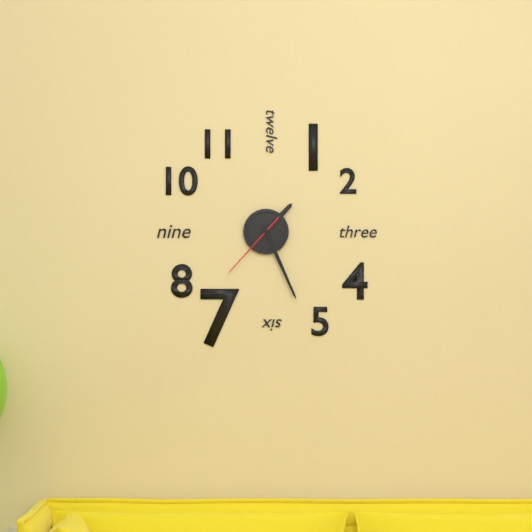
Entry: 1 h 26 min 37 s
